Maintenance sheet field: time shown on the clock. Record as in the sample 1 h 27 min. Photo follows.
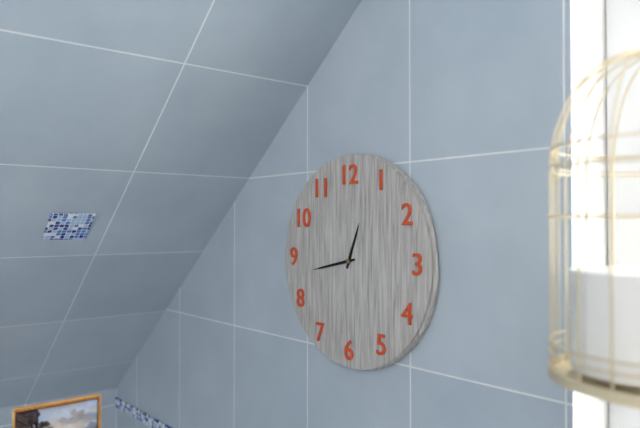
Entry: 12 h 43 min
